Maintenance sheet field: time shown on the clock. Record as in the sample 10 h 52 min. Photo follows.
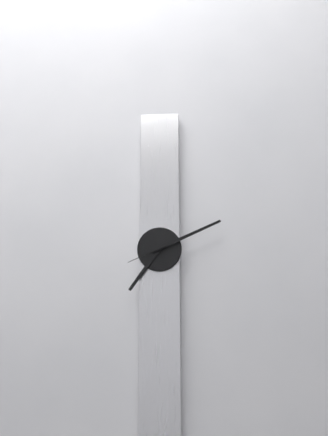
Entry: 7 h 11 min
